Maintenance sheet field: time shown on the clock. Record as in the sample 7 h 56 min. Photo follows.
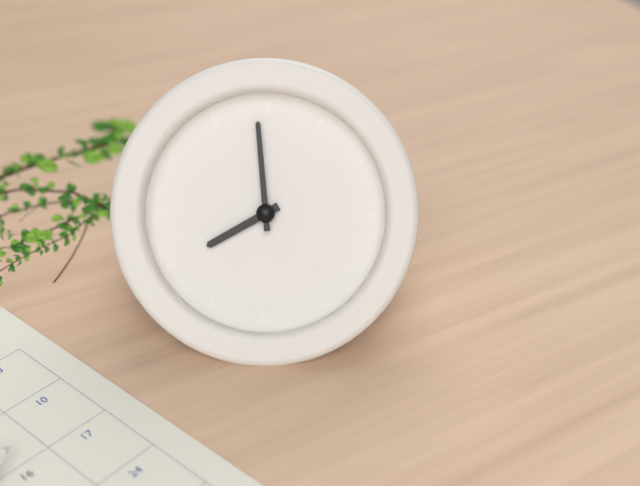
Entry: 7 h 59 min
